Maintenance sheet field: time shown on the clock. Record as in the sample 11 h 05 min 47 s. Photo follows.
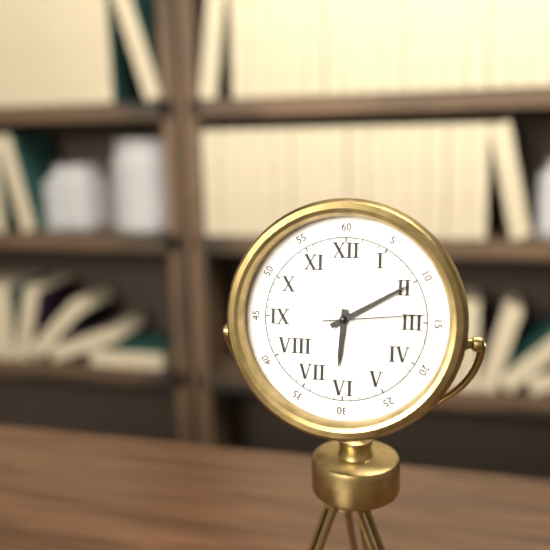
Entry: 6 h 10 min 14 s
